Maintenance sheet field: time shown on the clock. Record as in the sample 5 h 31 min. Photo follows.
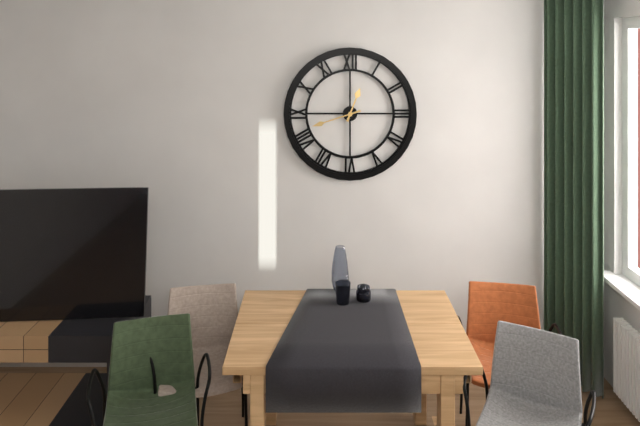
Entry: 12 h 42 min
